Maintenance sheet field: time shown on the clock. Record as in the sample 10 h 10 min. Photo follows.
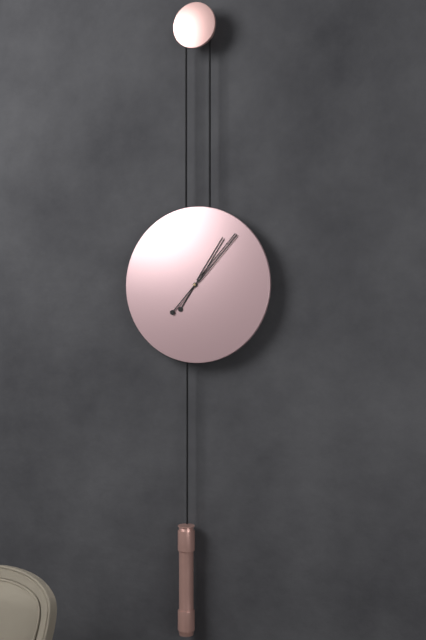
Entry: 1 h 07 min
